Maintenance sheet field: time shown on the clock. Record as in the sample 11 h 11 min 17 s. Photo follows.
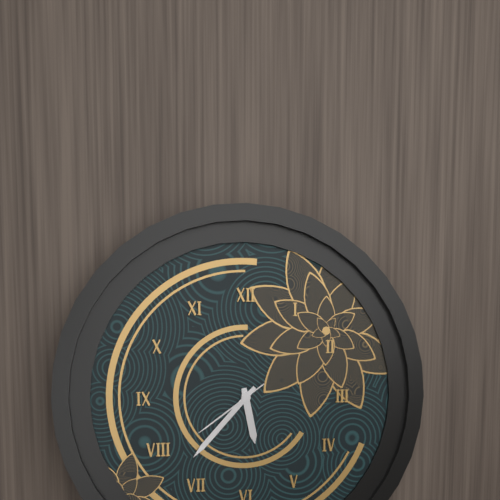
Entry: 5 h 37 min 39 s
